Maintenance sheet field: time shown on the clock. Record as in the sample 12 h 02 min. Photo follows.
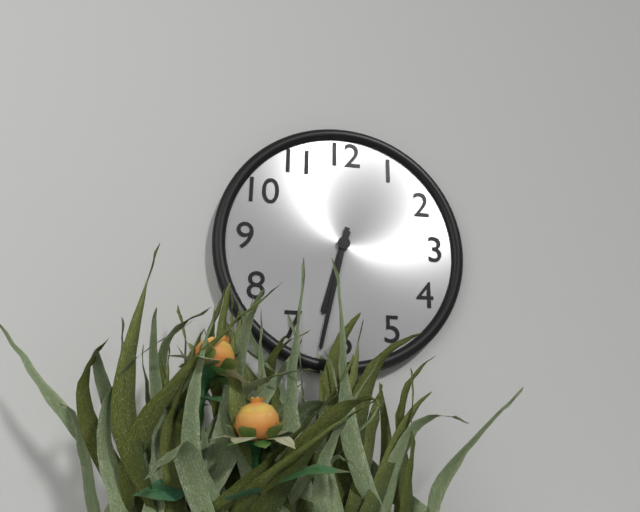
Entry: 6 h 32 min
